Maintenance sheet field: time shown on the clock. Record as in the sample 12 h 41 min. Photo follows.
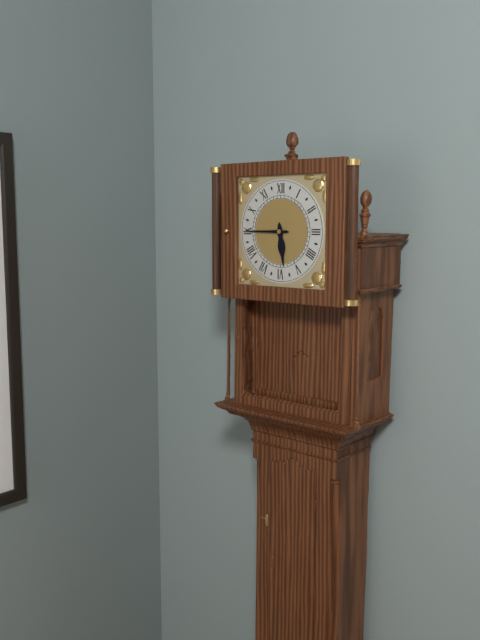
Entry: 5 h 45 min
